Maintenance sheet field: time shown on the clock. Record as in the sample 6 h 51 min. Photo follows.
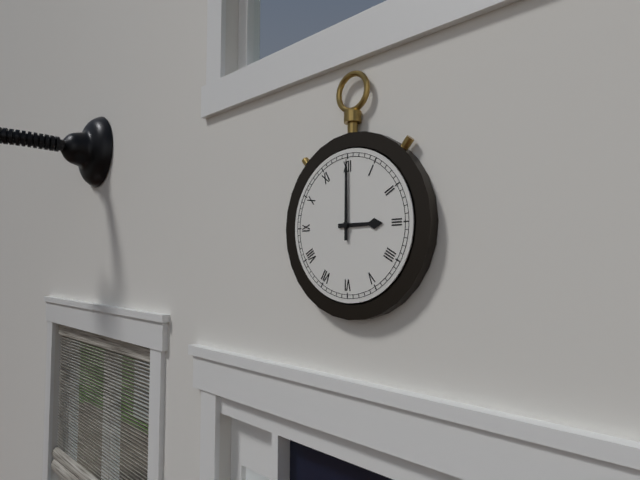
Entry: 3 h 00 min
